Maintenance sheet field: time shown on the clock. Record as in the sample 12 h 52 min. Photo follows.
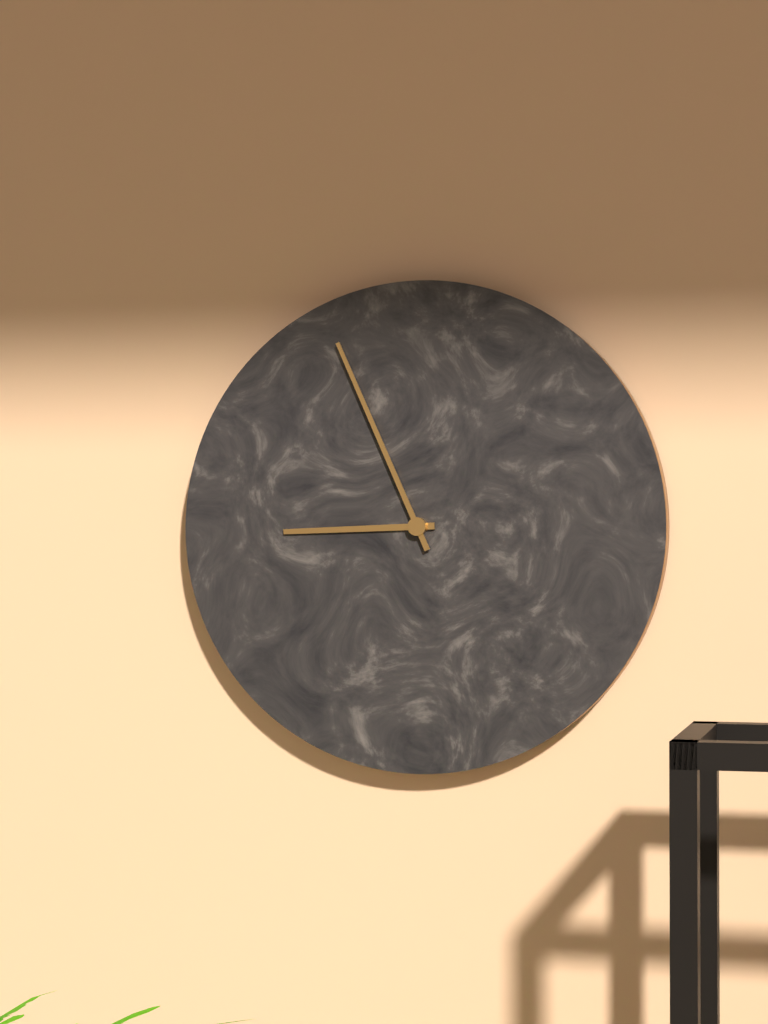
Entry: 8 h 56 min
